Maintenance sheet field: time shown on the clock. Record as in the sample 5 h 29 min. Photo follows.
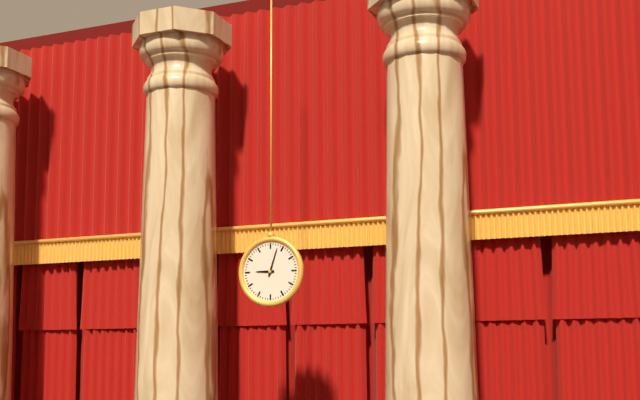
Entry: 9 h 03 min
